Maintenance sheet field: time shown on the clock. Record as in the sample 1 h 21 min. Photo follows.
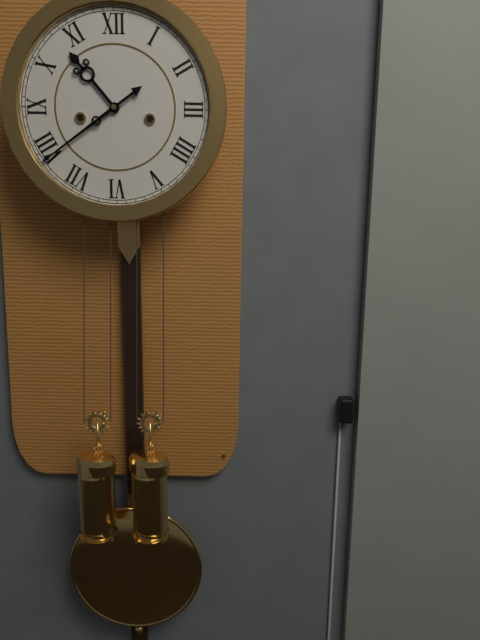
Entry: 10 h 39 min
